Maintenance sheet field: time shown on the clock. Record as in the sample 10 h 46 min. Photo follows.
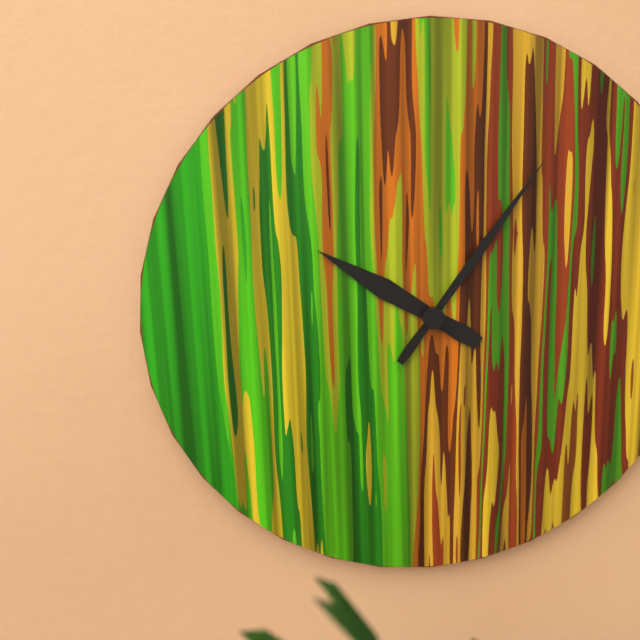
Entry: 10 h 06 min
